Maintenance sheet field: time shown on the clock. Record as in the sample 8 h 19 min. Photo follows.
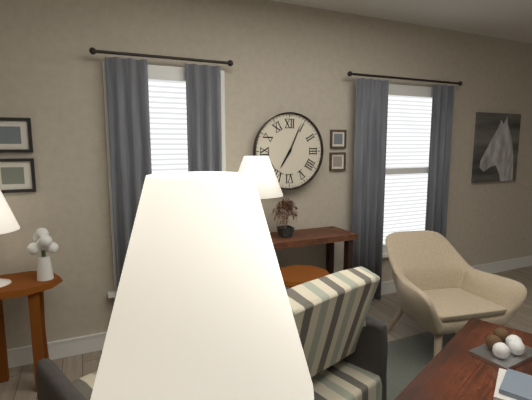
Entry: 7 h 04 min
